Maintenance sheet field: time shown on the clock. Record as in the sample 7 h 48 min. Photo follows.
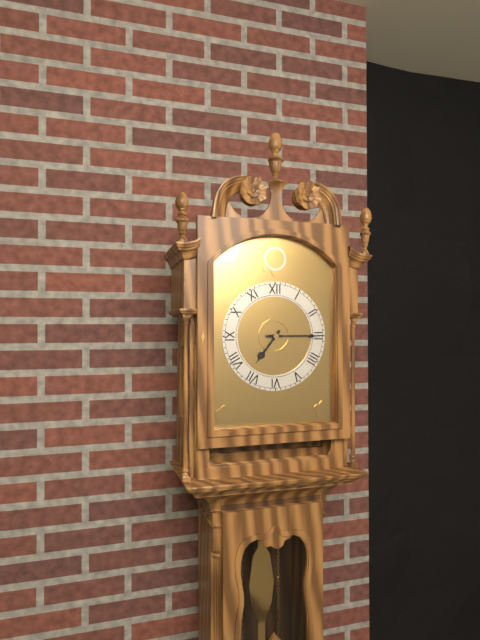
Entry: 7 h 15 min
